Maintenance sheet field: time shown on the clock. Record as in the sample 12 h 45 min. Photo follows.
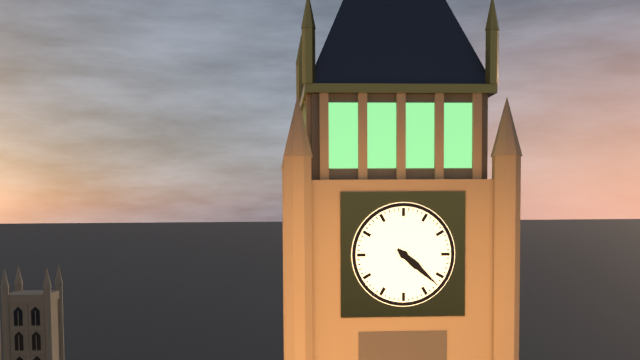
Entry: 4 h 22 min
